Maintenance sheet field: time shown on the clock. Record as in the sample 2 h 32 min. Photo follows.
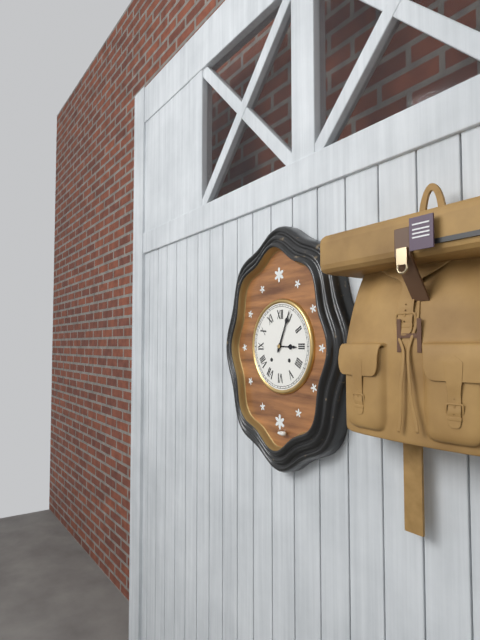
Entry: 3 h 04 min
